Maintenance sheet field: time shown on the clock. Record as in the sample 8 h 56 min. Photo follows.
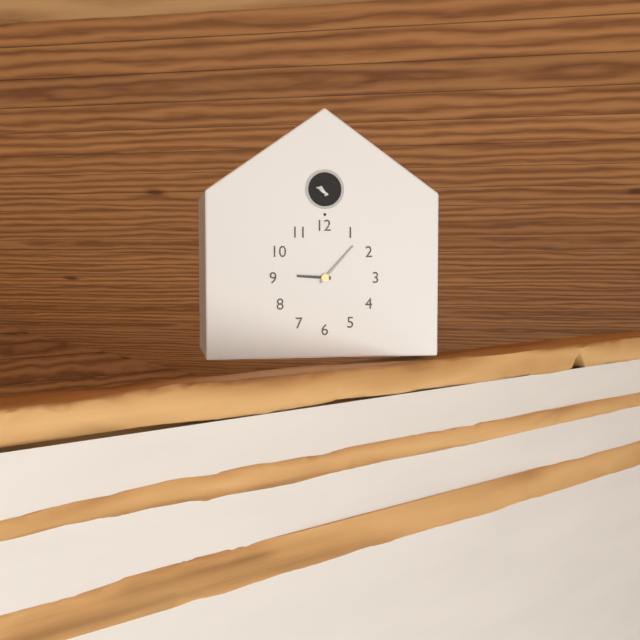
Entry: 9 h 07 min
